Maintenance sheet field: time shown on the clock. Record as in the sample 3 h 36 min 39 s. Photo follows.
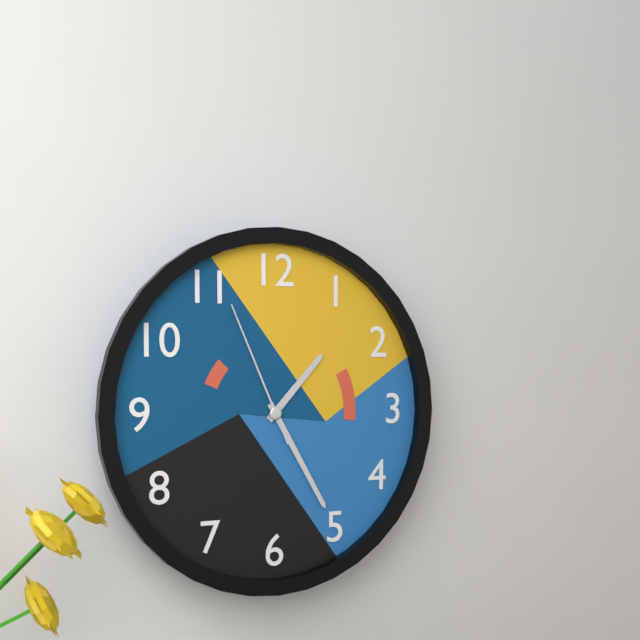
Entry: 1 h 25 min 56 s
